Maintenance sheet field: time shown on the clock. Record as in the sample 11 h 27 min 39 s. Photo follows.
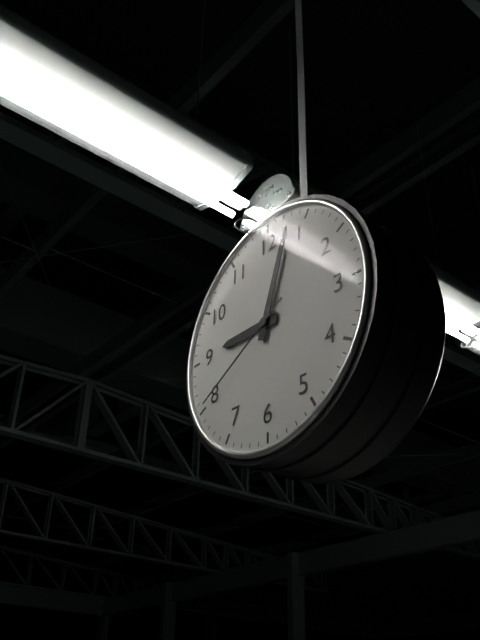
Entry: 9 h 03 min 40 s
